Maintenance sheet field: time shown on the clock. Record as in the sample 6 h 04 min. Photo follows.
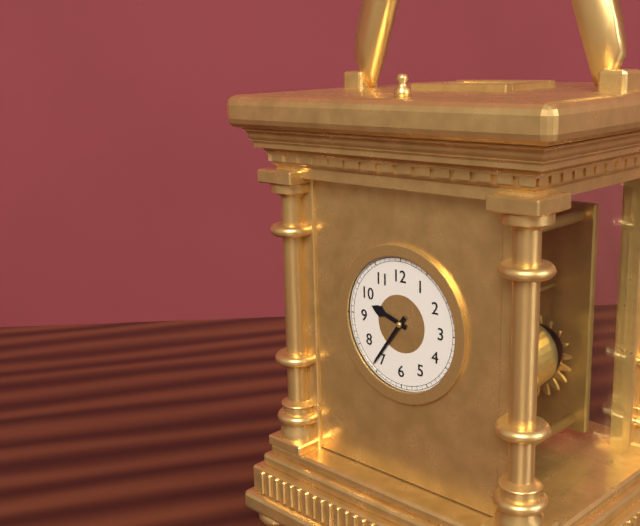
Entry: 9 h 36 min
